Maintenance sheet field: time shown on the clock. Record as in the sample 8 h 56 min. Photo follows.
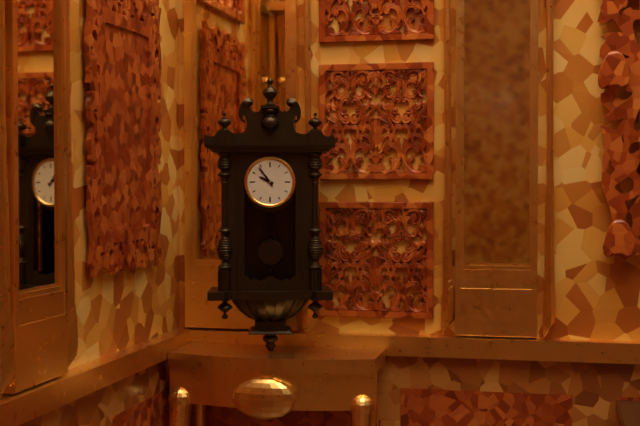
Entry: 9 h 54 min
